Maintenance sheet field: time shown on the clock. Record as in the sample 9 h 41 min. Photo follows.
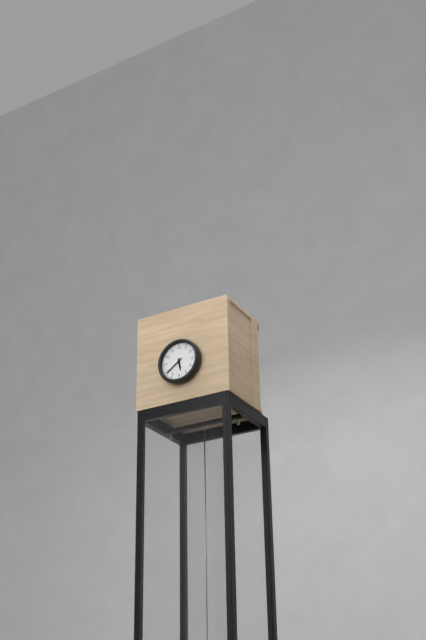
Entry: 5 h 39 min
